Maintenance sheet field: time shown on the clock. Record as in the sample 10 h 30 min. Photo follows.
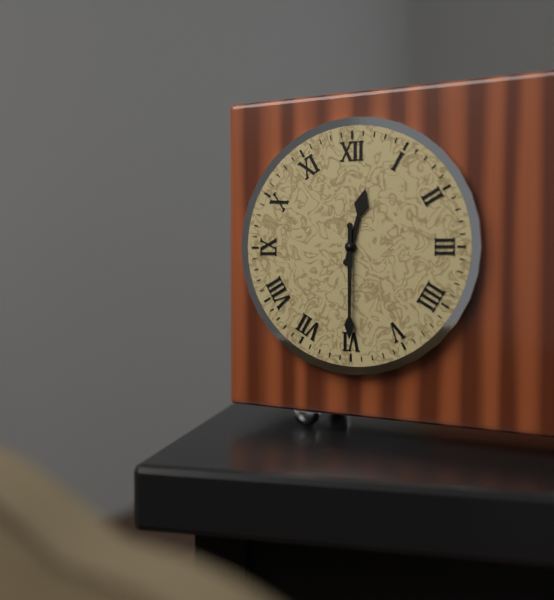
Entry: 12 h 30 min
